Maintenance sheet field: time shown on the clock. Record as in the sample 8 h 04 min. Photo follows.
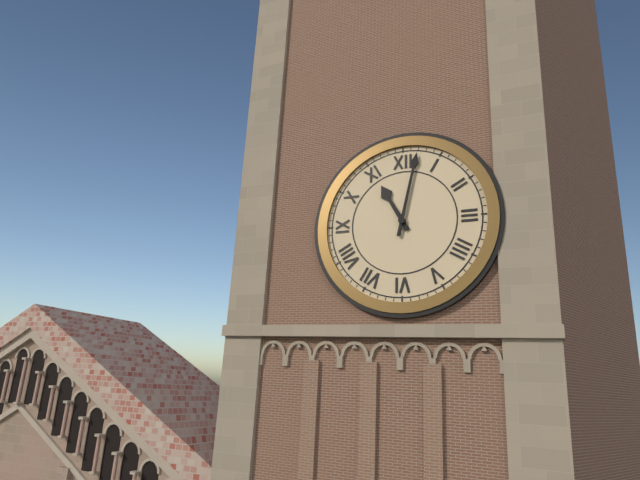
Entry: 11 h 02 min
